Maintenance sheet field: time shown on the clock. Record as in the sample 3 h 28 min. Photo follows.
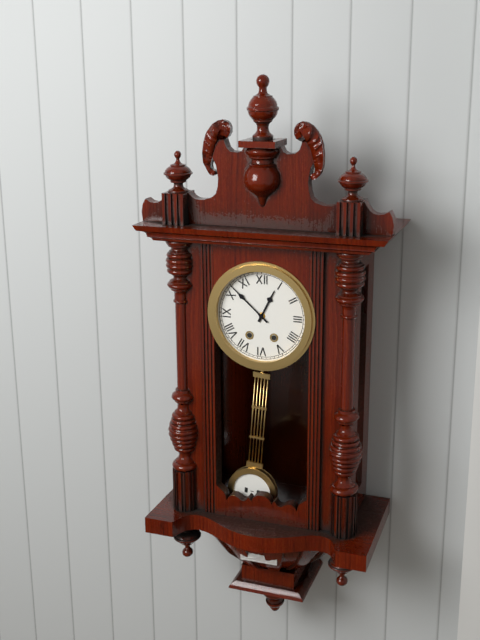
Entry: 12 h 52 min
